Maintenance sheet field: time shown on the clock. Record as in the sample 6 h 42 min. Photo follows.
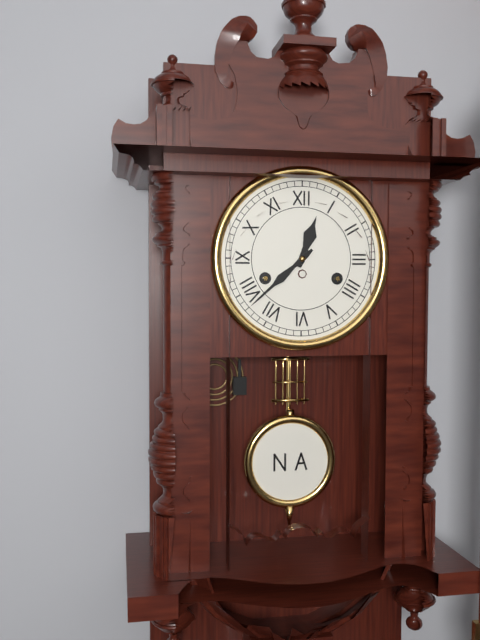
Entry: 12 h 38 min
